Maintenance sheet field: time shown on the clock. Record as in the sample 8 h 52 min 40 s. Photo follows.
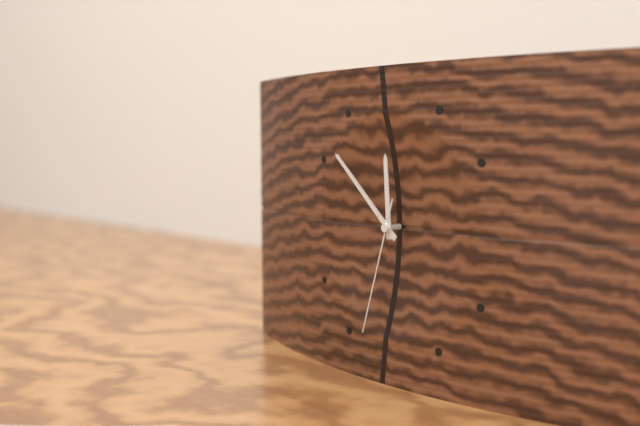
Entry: 11 h 52 min 33 s
